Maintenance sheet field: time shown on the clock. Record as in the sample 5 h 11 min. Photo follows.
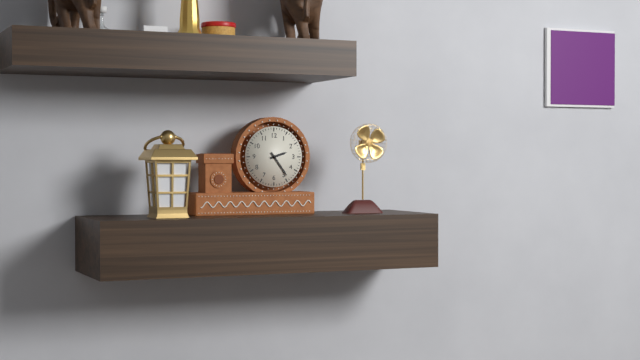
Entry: 2 h 24 min
